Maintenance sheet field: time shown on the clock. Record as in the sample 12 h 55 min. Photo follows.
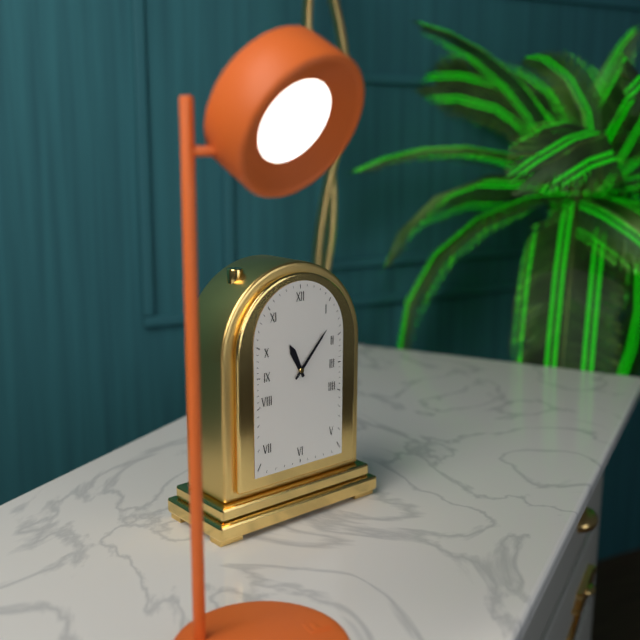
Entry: 11 h 07 min
